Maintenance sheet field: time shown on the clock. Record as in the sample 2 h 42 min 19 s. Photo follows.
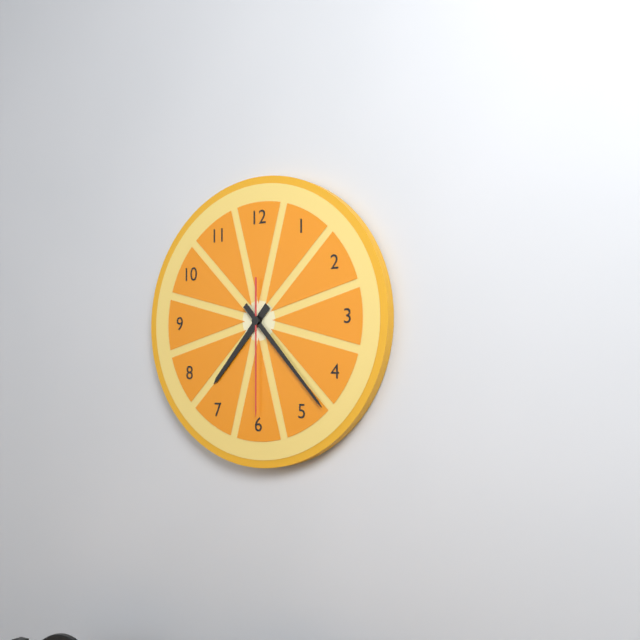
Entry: 7 h 23 min 30 s
